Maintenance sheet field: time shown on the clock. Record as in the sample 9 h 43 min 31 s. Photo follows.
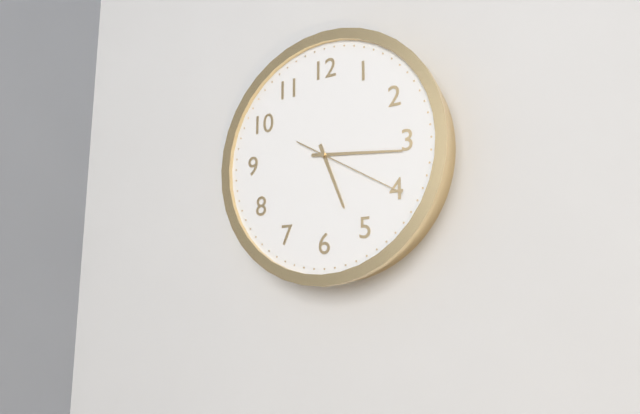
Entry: 5 h 16 min 20 s
